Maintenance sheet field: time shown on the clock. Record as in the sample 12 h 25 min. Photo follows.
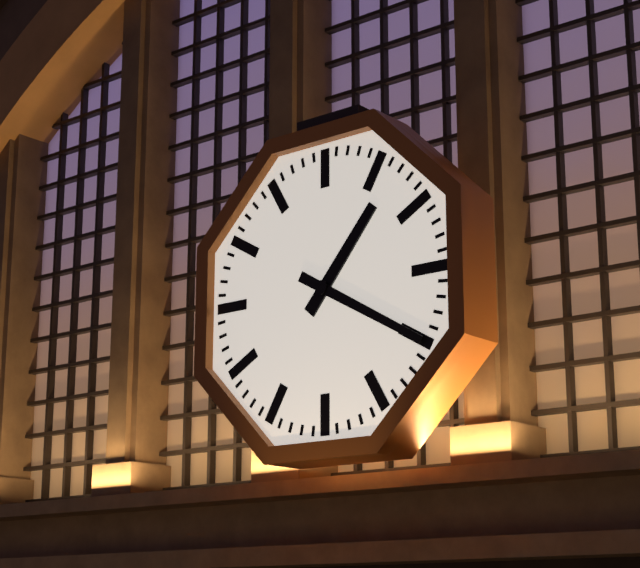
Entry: 1 h 20 min
